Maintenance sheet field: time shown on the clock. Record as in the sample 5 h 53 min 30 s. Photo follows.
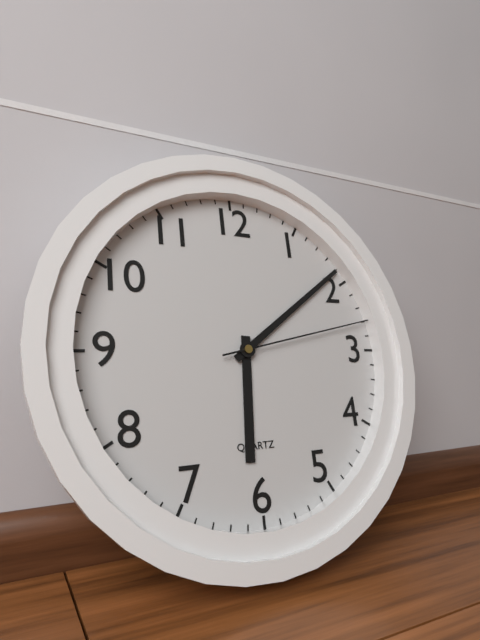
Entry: 6 h 09 min 13 s
